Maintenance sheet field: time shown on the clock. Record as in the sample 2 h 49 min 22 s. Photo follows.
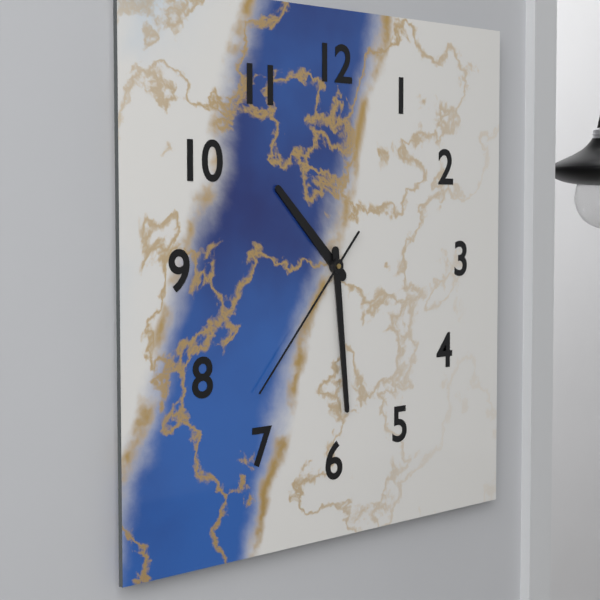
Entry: 10 h 29 min 37 s
